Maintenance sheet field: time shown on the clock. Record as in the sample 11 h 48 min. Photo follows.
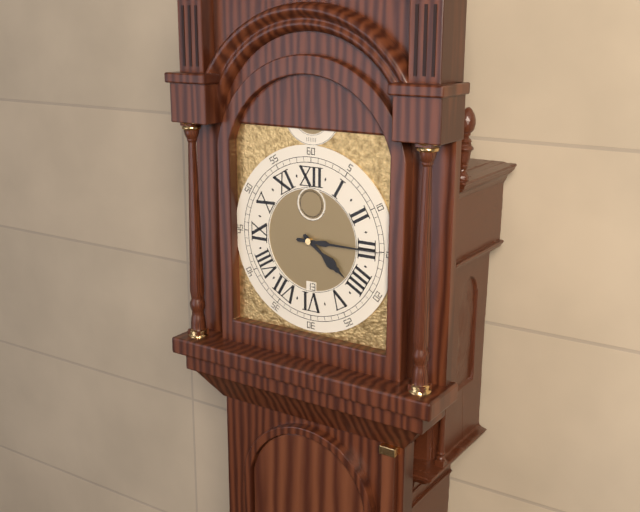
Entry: 4 h 15 min
